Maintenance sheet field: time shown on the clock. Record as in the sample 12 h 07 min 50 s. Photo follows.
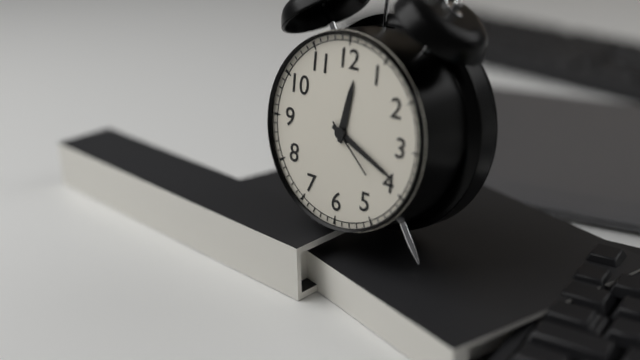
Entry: 12 h 19 min 22 s
